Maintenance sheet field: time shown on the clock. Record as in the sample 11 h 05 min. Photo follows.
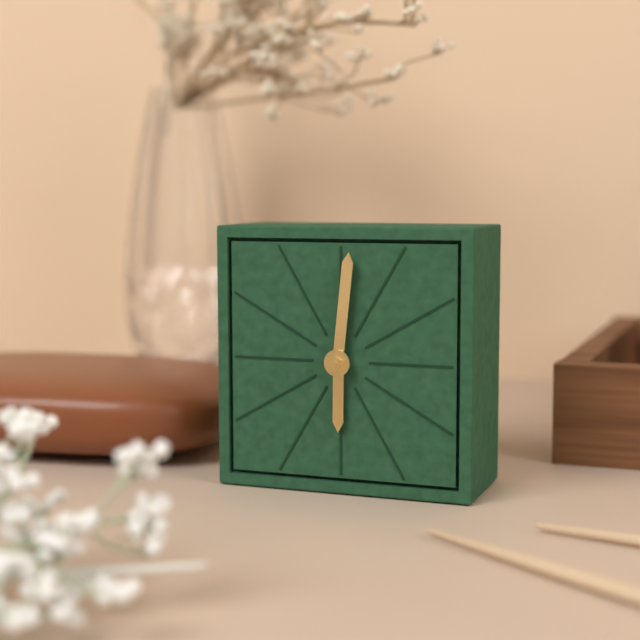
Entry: 6 h 01 min
